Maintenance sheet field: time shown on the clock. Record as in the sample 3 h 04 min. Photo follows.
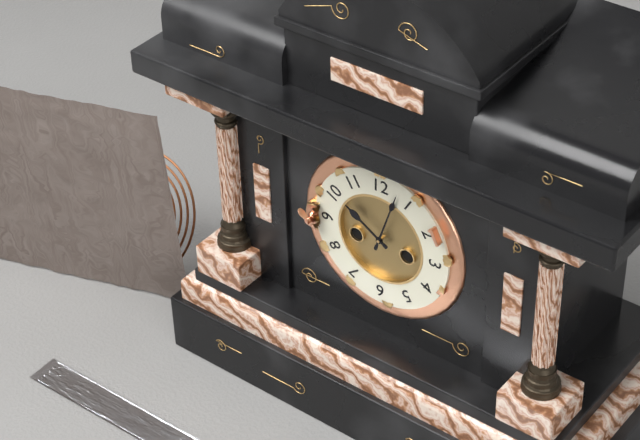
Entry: 10 h 03 min
